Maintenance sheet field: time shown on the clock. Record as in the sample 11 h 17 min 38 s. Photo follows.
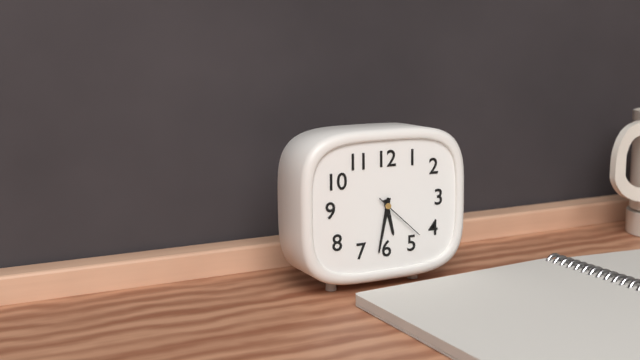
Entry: 5 h 32 min 22 s
